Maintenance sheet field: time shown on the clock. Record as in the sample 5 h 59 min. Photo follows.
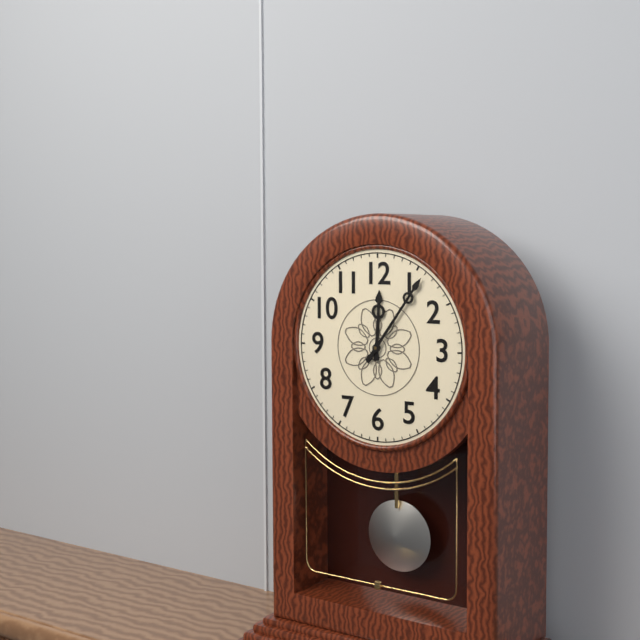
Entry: 12 h 06 min
